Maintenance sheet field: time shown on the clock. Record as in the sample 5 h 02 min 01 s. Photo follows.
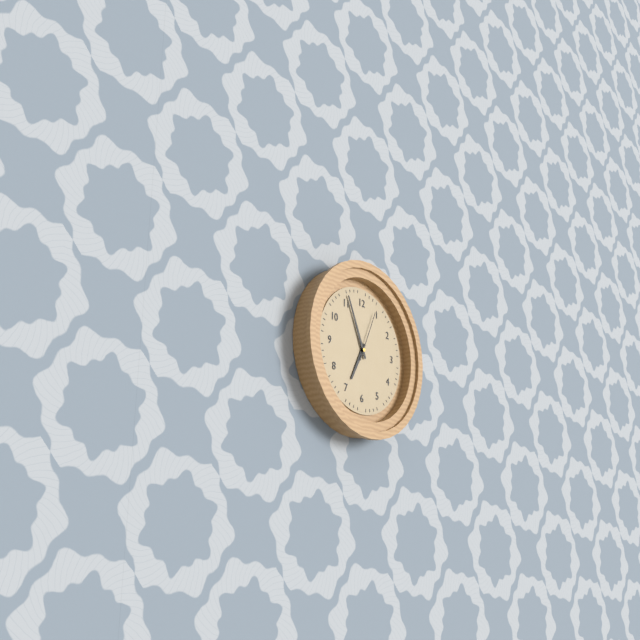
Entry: 6 h 56 min 04 s
